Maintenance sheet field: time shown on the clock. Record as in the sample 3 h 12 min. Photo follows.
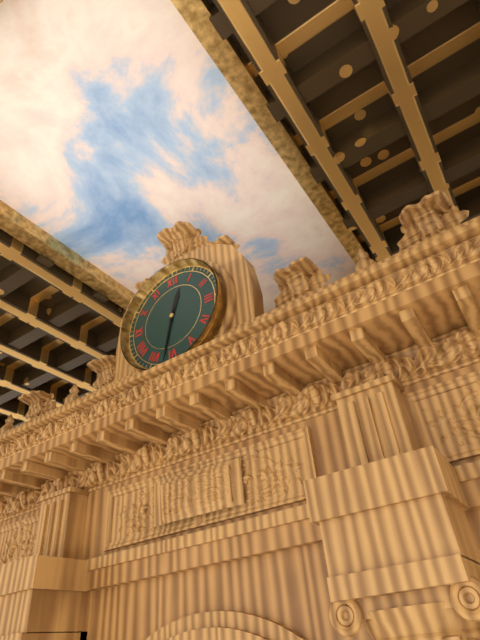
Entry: 12 h 32 min
